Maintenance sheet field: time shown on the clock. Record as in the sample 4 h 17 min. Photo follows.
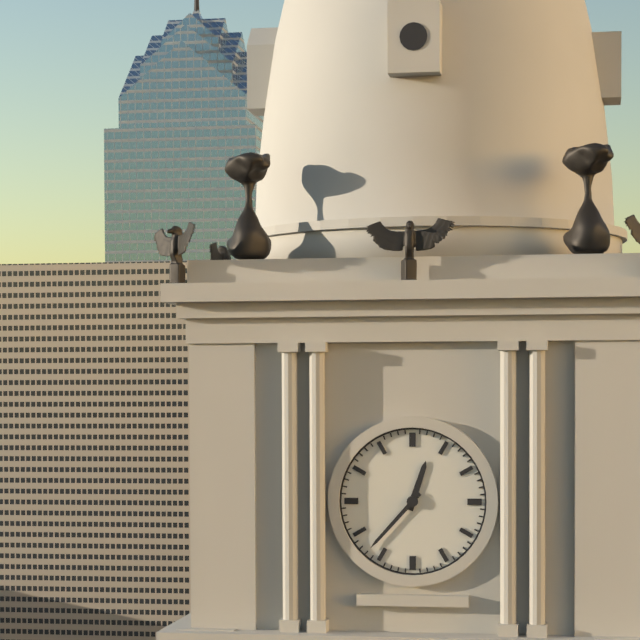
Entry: 12 h 37 min
